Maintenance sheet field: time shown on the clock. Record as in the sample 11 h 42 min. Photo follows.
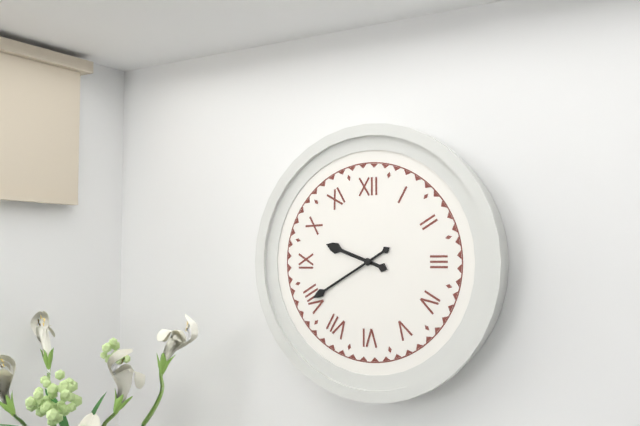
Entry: 9 h 40 min
